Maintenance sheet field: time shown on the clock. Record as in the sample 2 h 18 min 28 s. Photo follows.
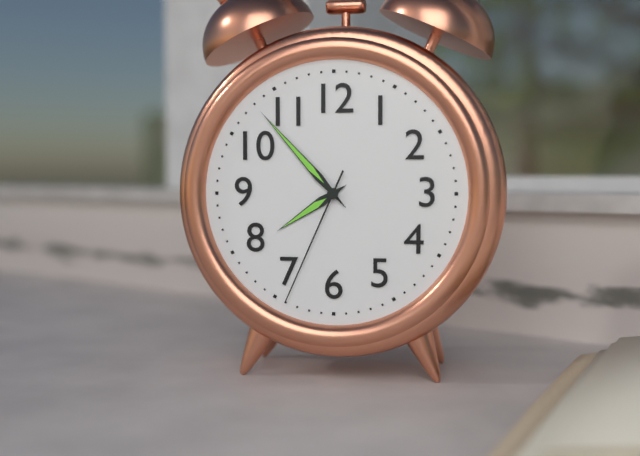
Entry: 7 h 53 min 34 s
